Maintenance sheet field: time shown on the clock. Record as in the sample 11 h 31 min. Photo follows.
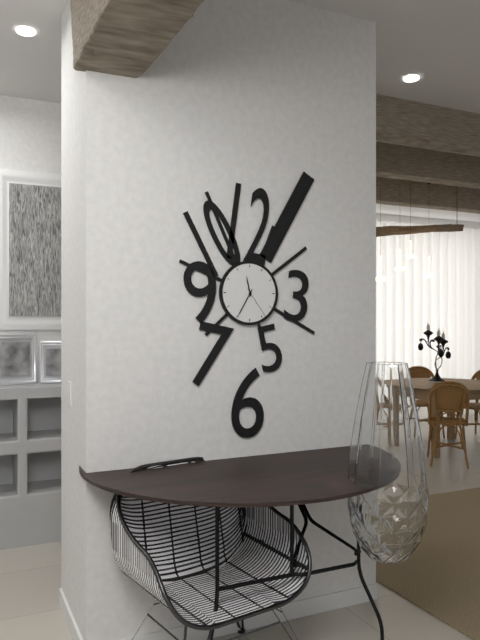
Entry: 11 h 35 min
